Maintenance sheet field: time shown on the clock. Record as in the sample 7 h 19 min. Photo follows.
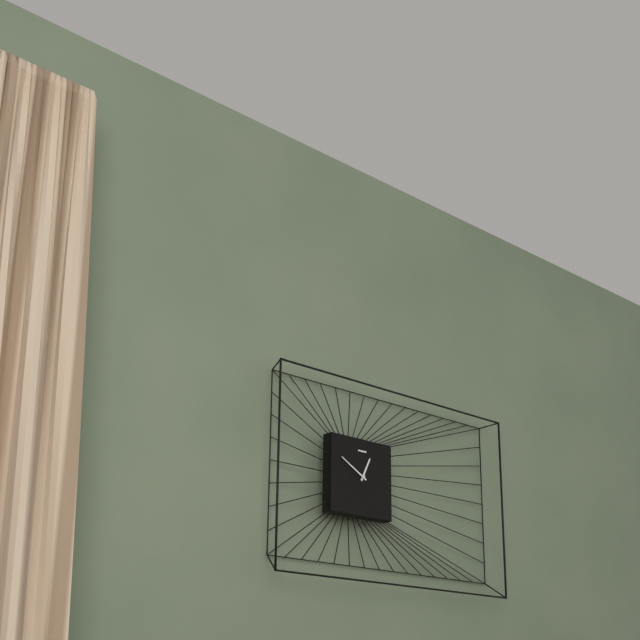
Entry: 12 h 50 min
